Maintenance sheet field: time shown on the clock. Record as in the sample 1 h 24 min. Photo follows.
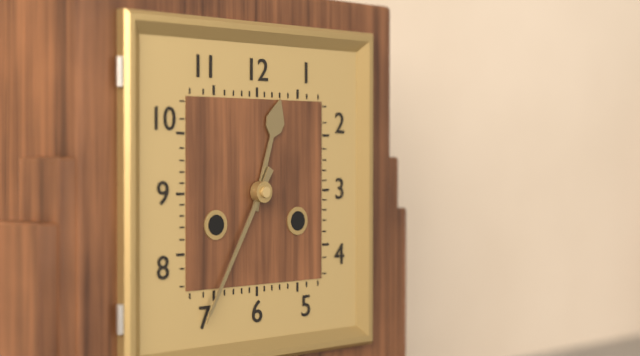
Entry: 12 h 35 min
